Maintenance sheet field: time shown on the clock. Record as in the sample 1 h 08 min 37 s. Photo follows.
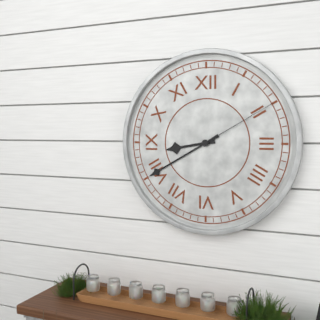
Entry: 8 h 40 min 10 s
